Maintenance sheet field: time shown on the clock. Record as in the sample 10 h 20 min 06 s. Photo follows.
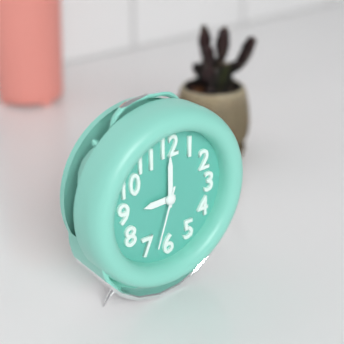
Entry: 9 h 00 min 33 s
